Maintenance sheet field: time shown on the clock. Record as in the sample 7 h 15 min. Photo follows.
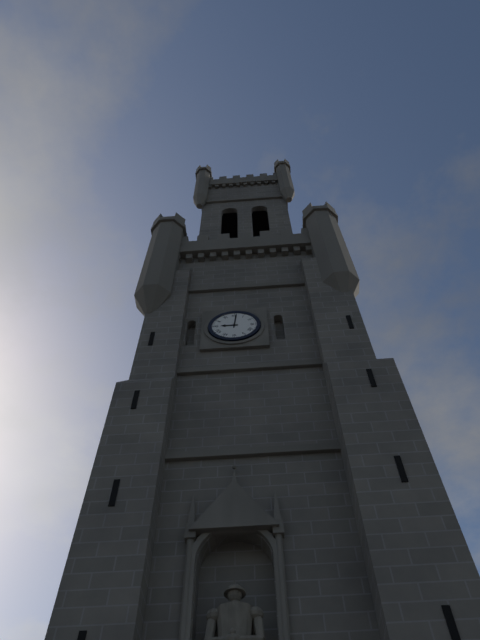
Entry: 9 h 01 min
